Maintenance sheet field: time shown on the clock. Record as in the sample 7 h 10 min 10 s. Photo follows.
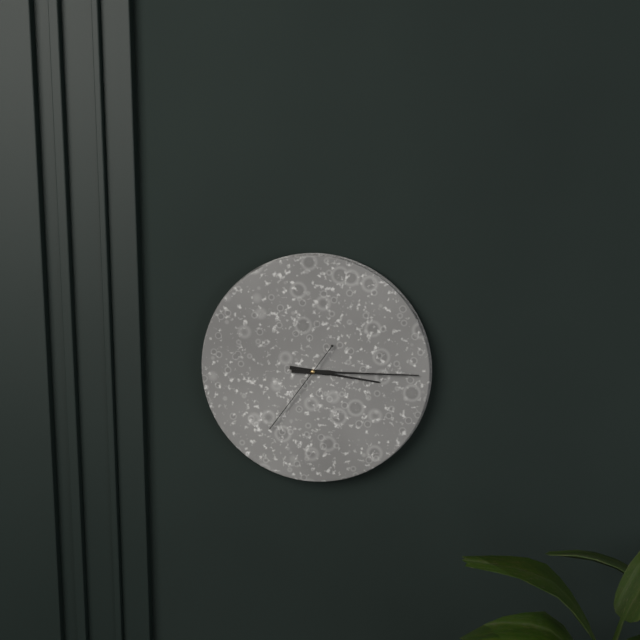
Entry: 3 h 15 min 36 s
